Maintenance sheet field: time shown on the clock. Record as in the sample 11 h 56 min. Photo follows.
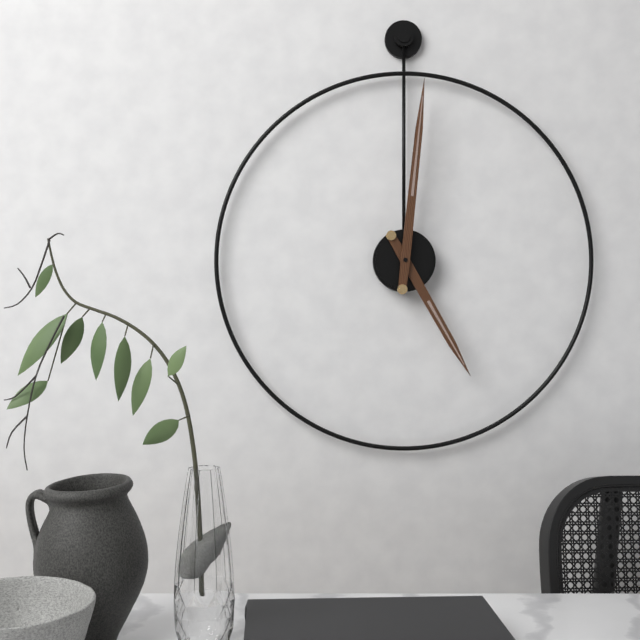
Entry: 5 h 01 min
